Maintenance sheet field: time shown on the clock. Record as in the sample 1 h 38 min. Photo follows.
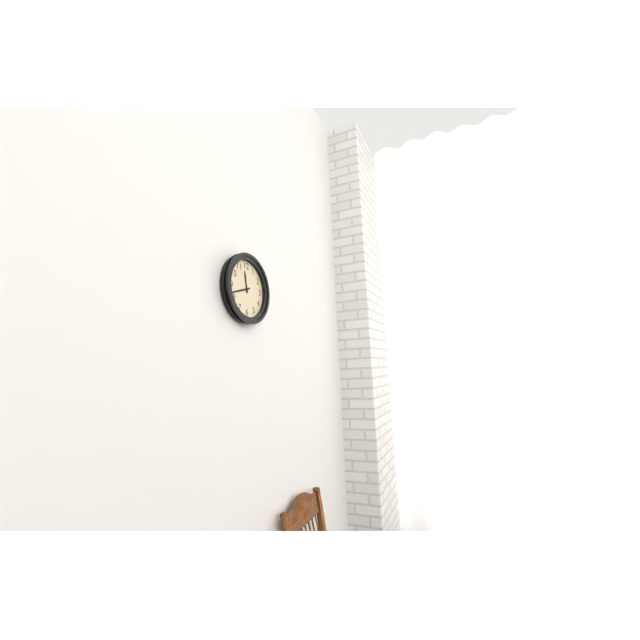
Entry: 11 h 42 min
